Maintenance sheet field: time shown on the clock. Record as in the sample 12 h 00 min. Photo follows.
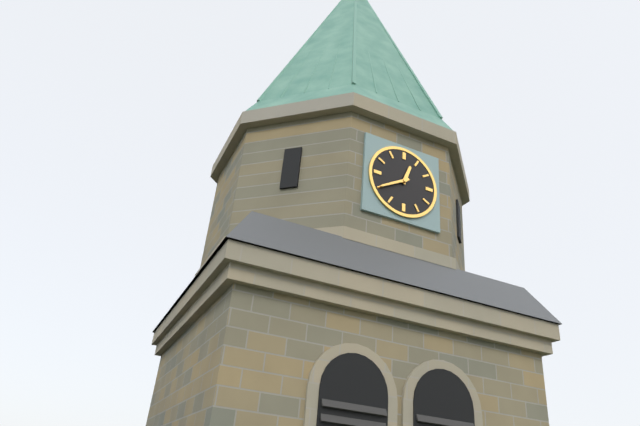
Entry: 12 h 40 min
